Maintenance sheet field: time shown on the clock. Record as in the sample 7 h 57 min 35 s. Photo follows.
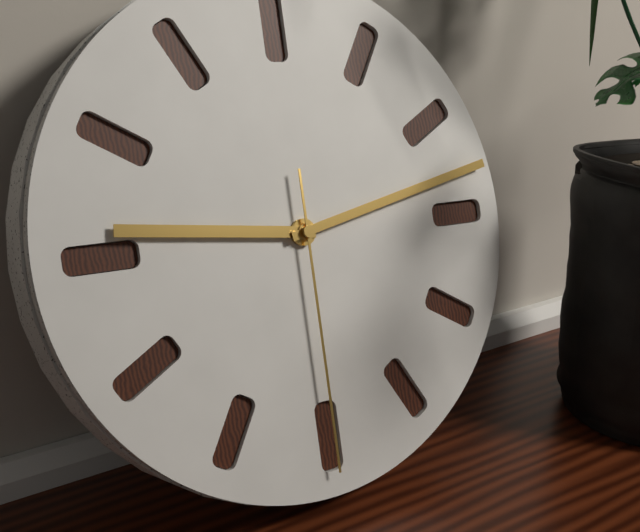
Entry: 9 h 13 min 30 s
